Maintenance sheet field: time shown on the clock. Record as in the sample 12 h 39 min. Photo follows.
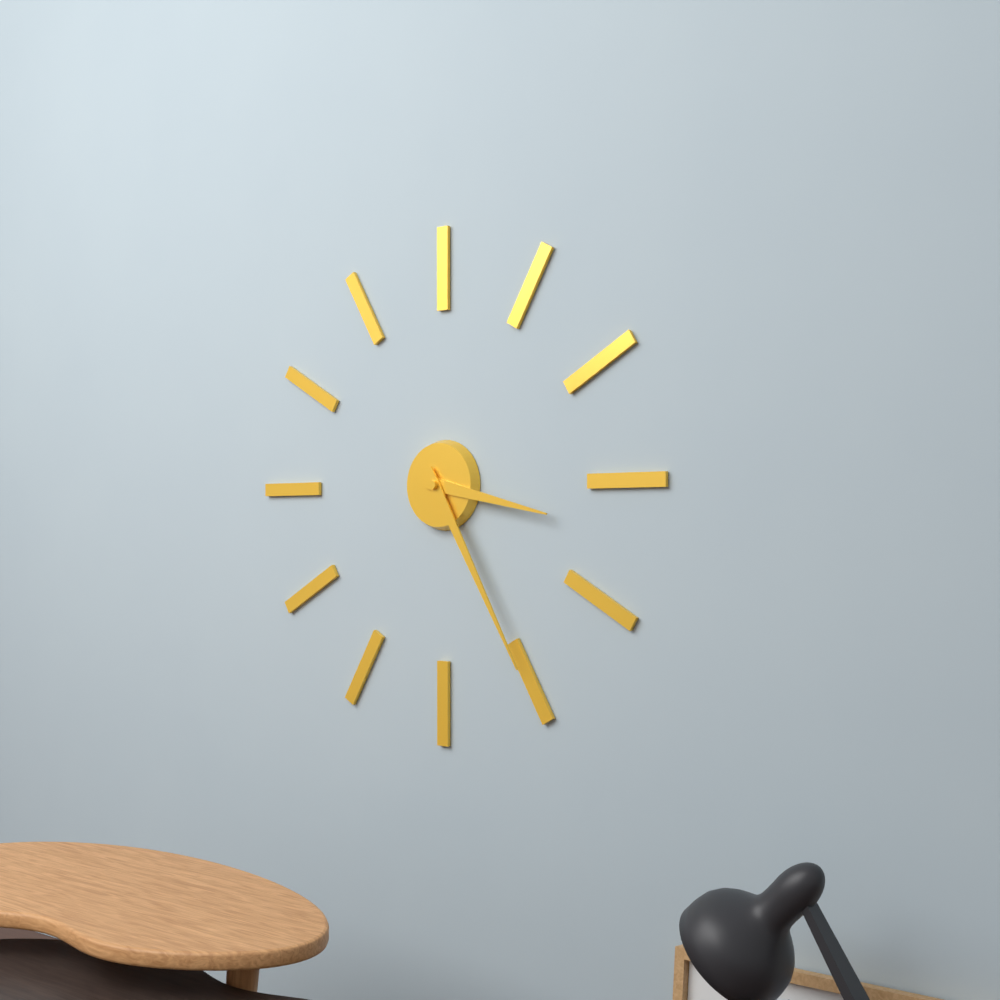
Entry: 3 h 25 min
